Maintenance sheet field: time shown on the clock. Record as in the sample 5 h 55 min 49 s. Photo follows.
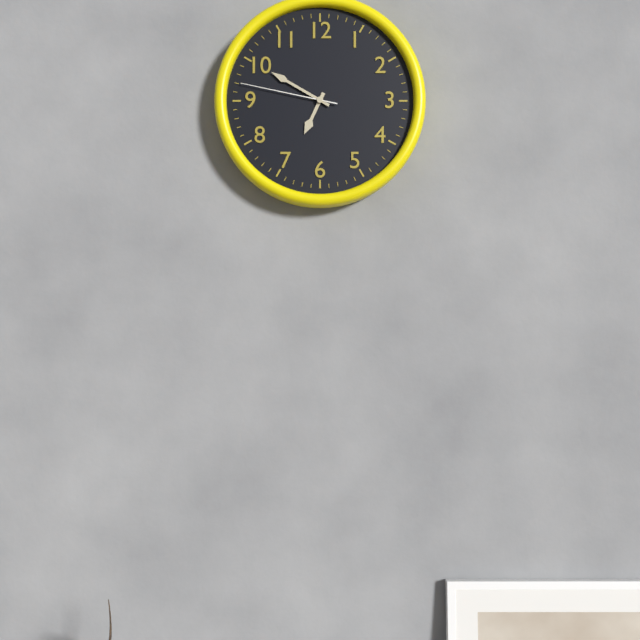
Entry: 6 h 50 min 47 s
